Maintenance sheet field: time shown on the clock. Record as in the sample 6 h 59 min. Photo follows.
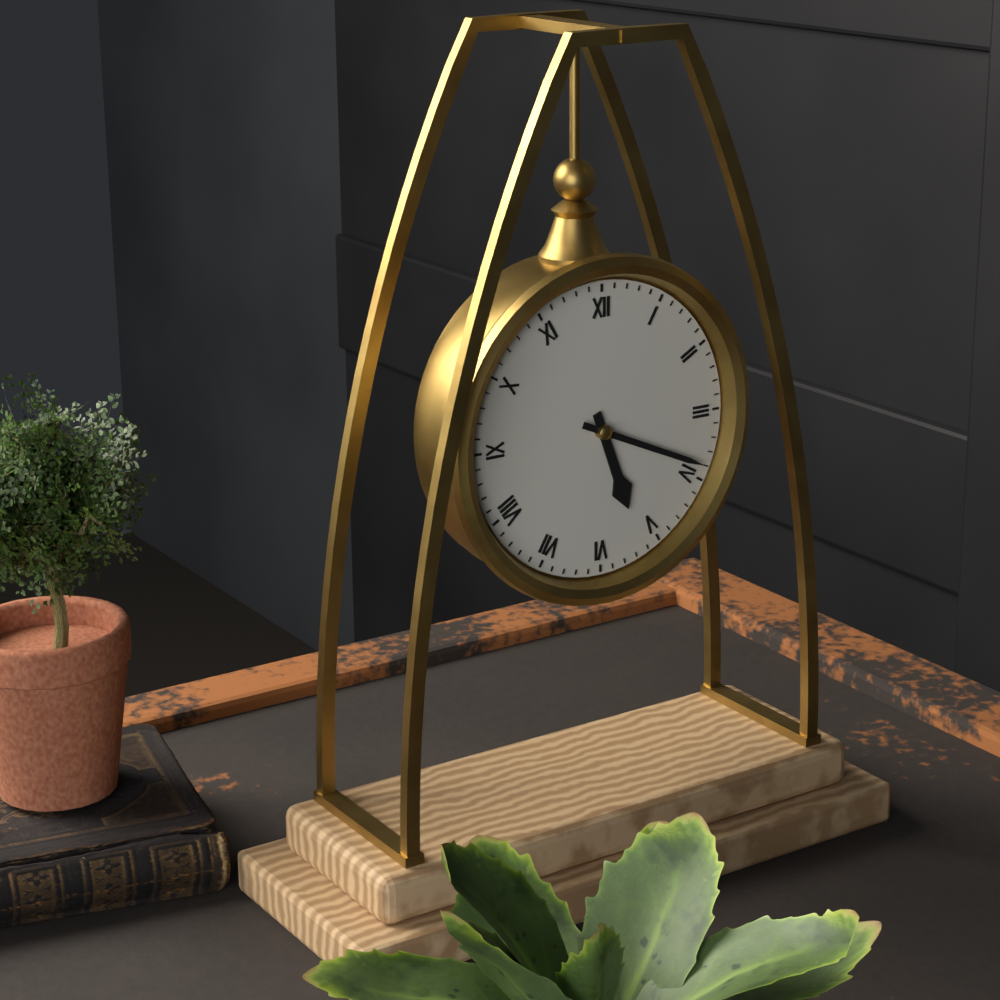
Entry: 5 h 19 min
